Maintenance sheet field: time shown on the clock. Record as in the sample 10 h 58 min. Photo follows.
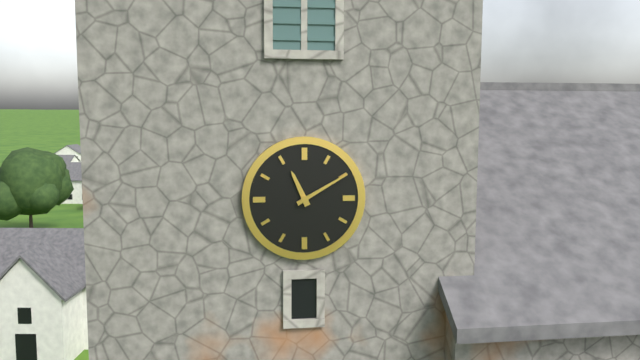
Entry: 11 h 10 min
